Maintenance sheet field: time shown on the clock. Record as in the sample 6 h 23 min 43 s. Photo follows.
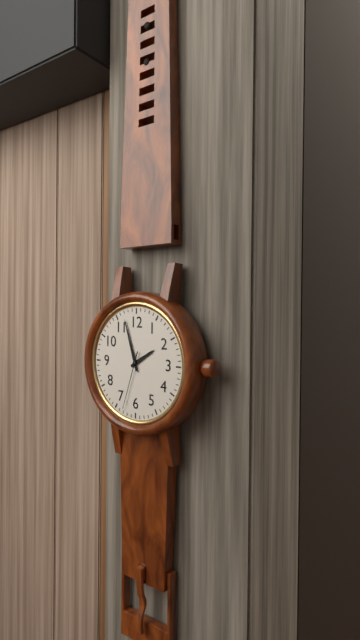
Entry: 1 h 57 min 33 s
